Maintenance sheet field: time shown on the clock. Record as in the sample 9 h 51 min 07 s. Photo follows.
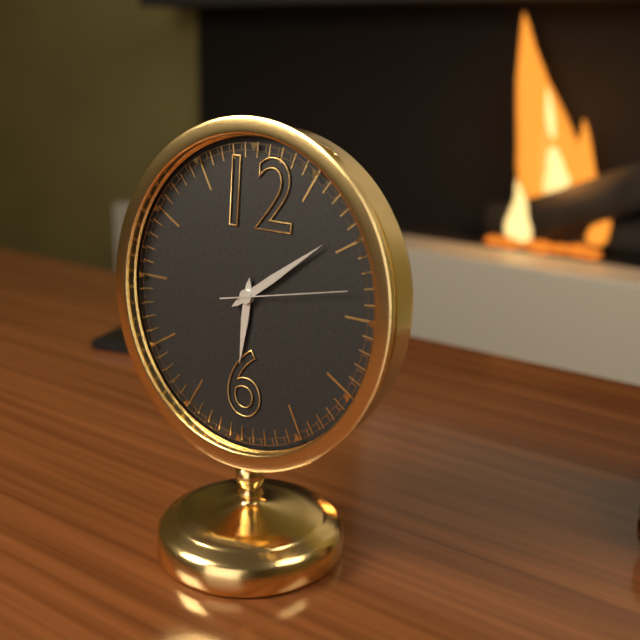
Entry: 6 h 09 min 13 s
